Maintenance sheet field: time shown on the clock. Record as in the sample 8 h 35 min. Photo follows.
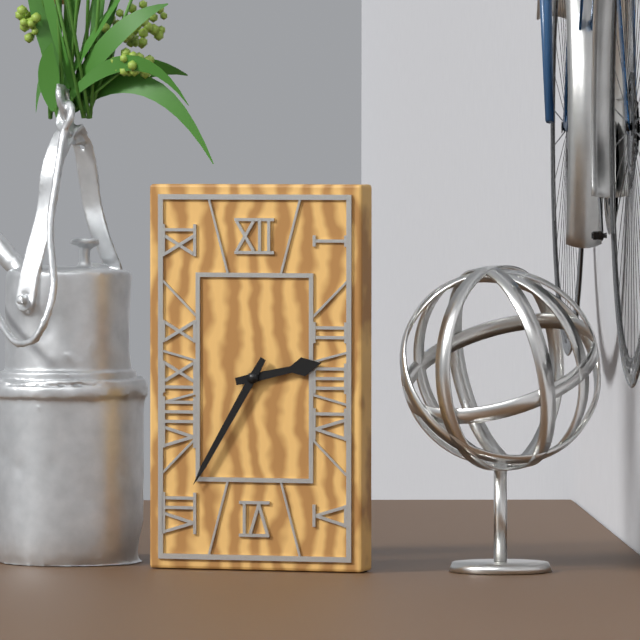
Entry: 2 h 35 min
